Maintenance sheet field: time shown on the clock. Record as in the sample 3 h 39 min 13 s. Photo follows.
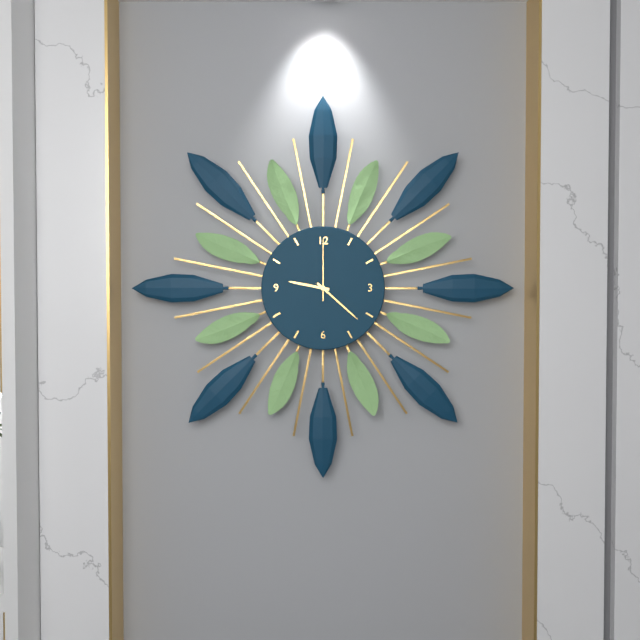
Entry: 9 h 22 min 00 s
